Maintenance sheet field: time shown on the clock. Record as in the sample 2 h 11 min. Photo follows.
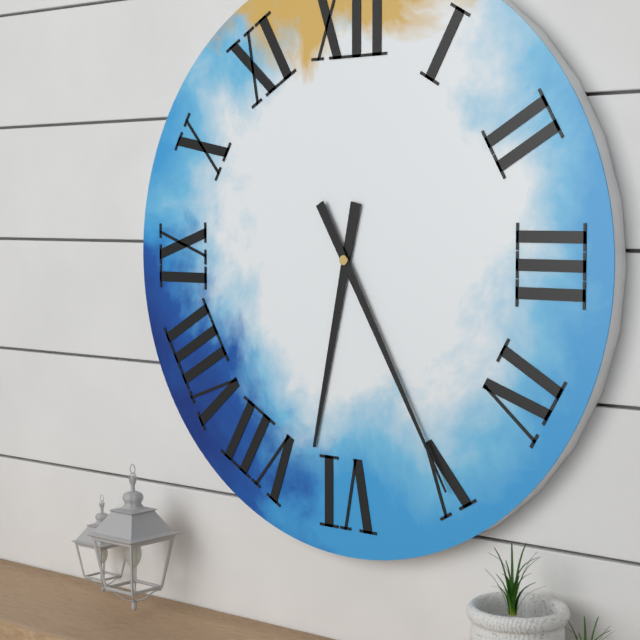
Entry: 6 h 25 min
